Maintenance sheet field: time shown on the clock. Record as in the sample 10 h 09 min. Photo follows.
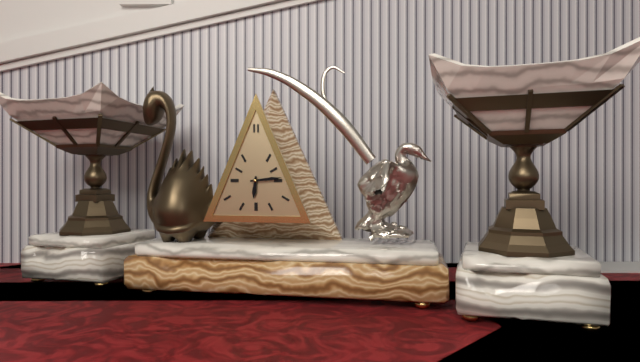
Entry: 6 h 14 min
